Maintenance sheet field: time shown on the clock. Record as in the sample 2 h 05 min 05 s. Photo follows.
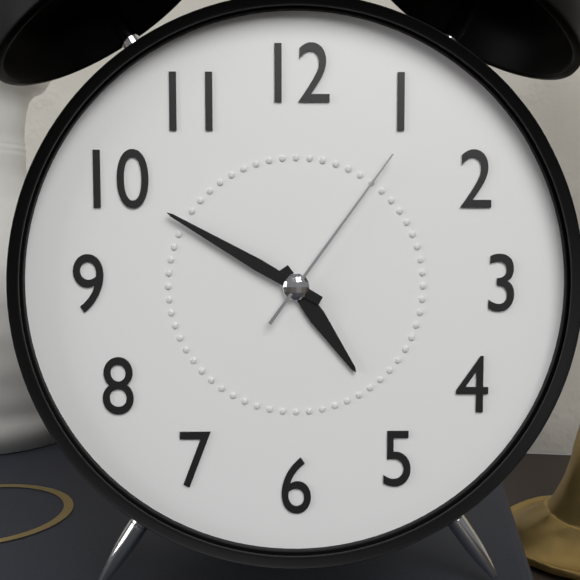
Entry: 4 h 50 min 06 s
